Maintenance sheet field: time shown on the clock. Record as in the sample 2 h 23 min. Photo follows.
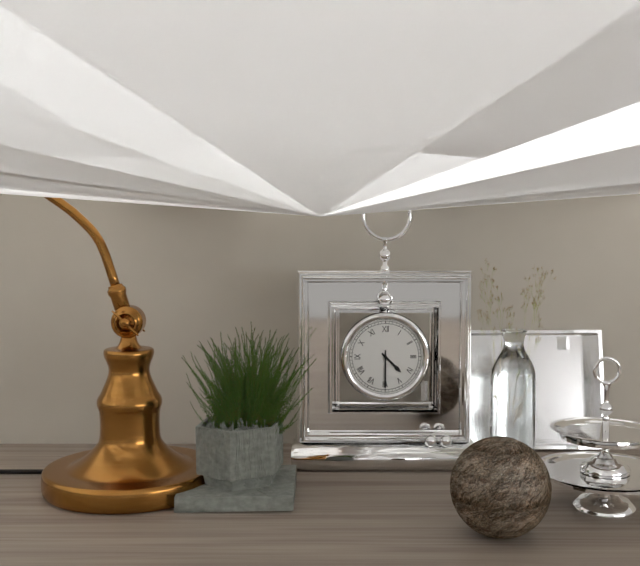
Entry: 4 h 30 min
